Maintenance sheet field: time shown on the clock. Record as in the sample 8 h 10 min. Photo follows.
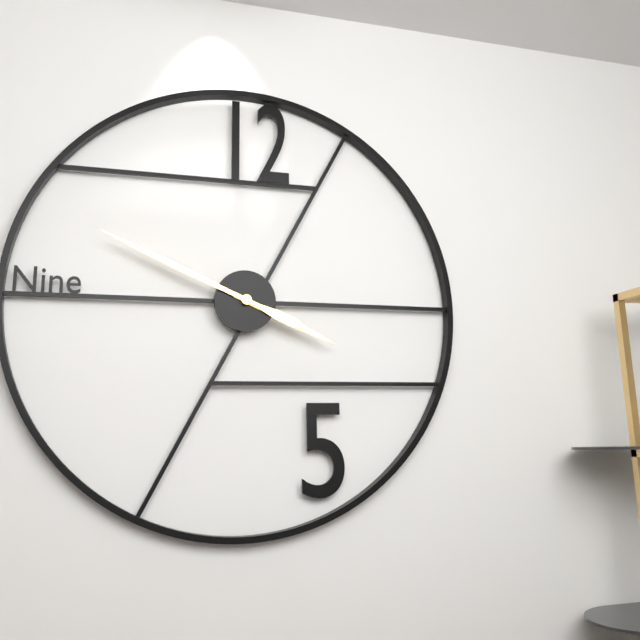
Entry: 3 h 49 min
